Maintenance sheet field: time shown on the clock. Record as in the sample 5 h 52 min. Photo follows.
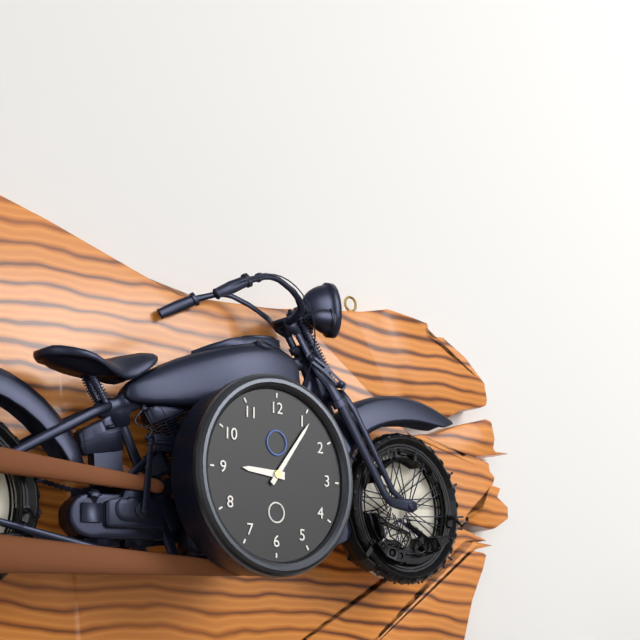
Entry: 9 h 06 min
